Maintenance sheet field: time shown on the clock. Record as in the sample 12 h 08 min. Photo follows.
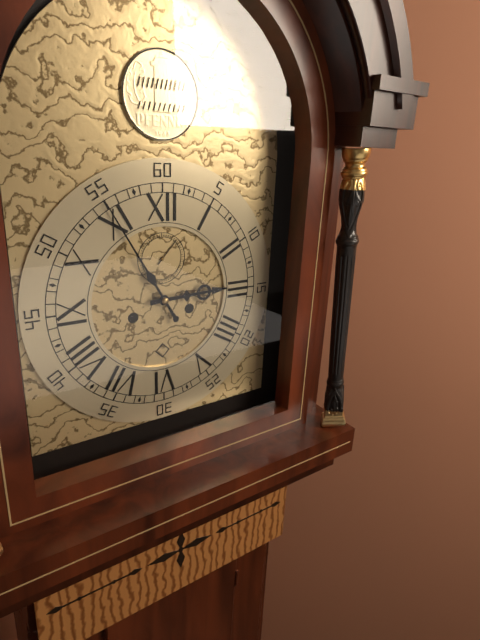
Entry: 2 h 55 min
